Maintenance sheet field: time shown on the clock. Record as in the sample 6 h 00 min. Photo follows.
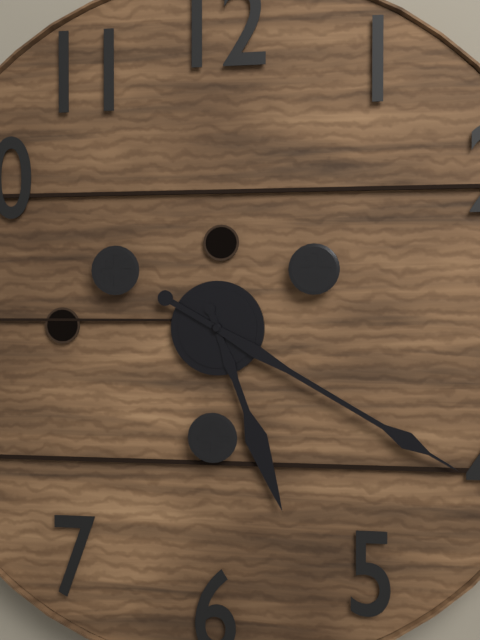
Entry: 5 h 20 min
